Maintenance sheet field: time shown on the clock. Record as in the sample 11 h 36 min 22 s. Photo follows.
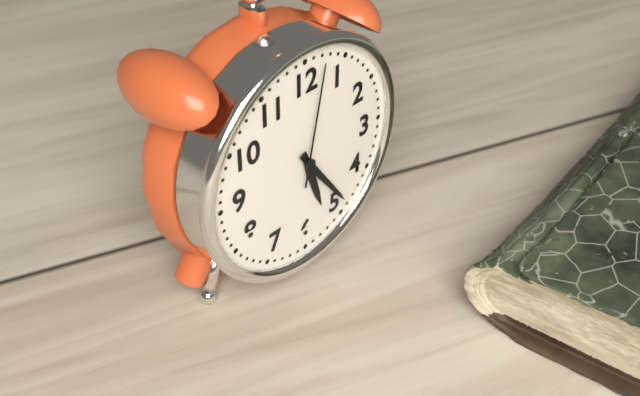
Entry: 5 h 24 min 02 s
